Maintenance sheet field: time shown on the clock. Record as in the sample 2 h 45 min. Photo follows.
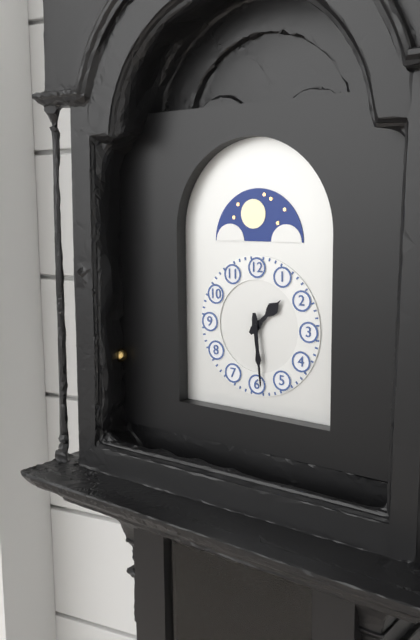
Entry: 1 h 29 min
